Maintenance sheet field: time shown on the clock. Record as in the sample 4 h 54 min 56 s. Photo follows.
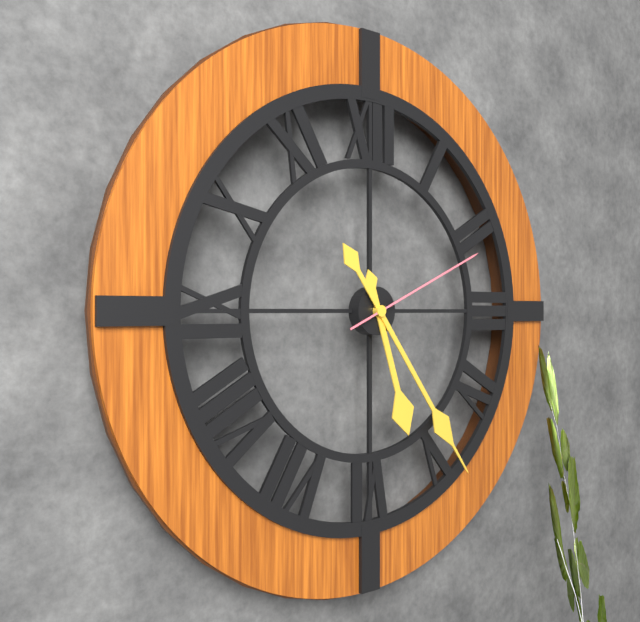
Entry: 5 h 24 min 11 s
